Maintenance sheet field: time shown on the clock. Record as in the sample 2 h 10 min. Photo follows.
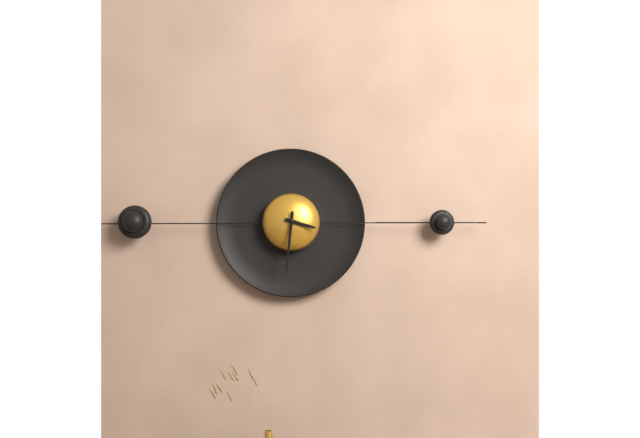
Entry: 3 h 31 min
